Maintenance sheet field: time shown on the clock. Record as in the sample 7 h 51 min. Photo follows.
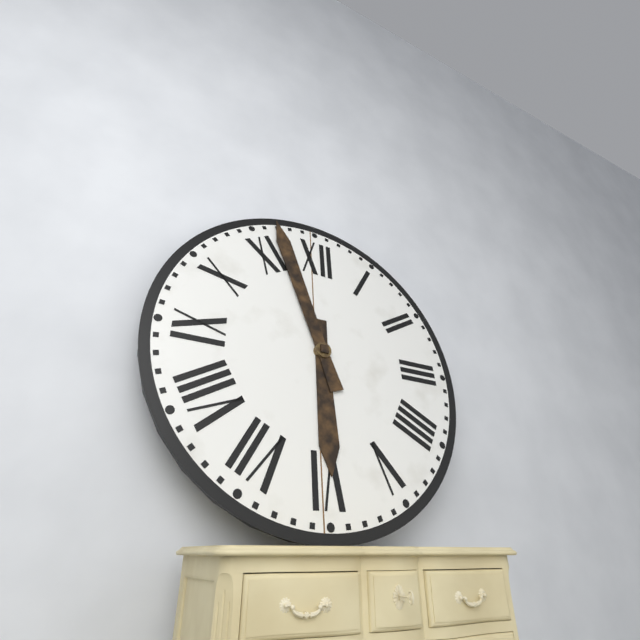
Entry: 5 h 57 min
